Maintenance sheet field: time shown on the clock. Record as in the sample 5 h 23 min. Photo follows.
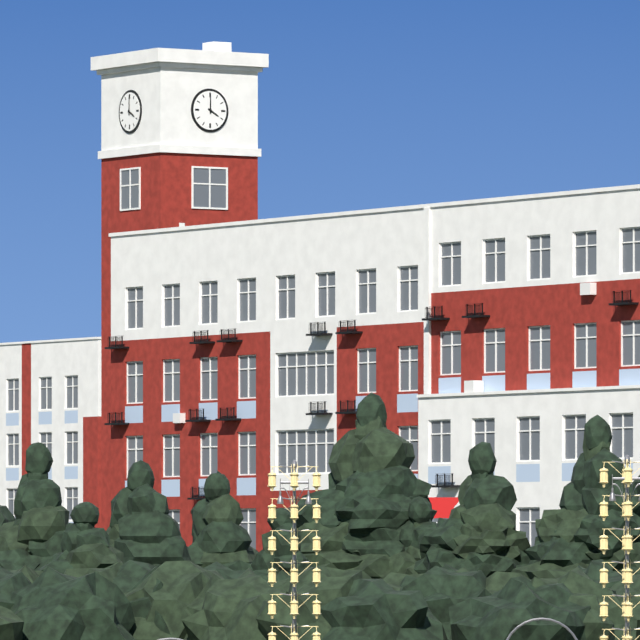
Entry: 4 h 00 min
